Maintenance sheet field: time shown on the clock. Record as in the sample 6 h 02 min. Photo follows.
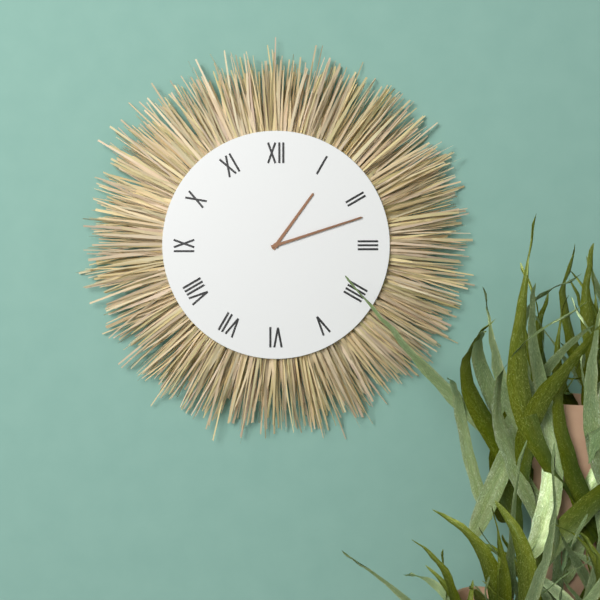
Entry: 1 h 12 min
